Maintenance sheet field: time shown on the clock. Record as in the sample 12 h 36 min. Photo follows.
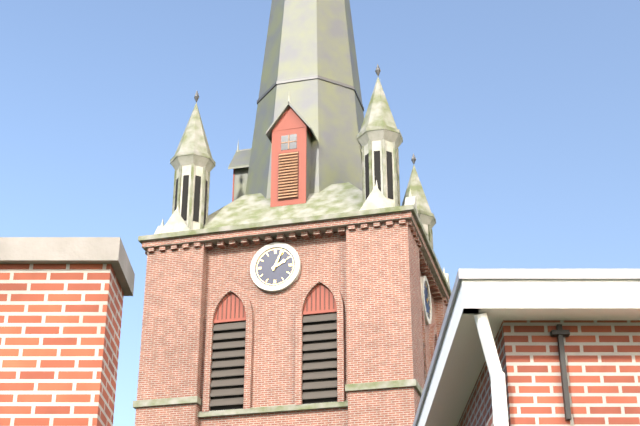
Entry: 2 h 04 min
